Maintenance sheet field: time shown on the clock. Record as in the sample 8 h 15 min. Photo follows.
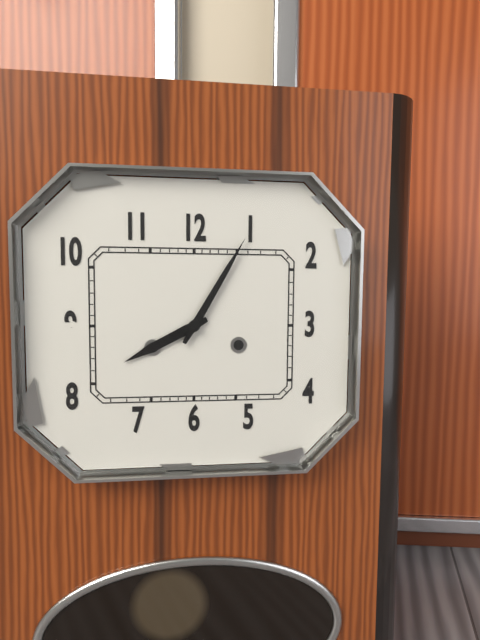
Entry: 8 h 05 min
